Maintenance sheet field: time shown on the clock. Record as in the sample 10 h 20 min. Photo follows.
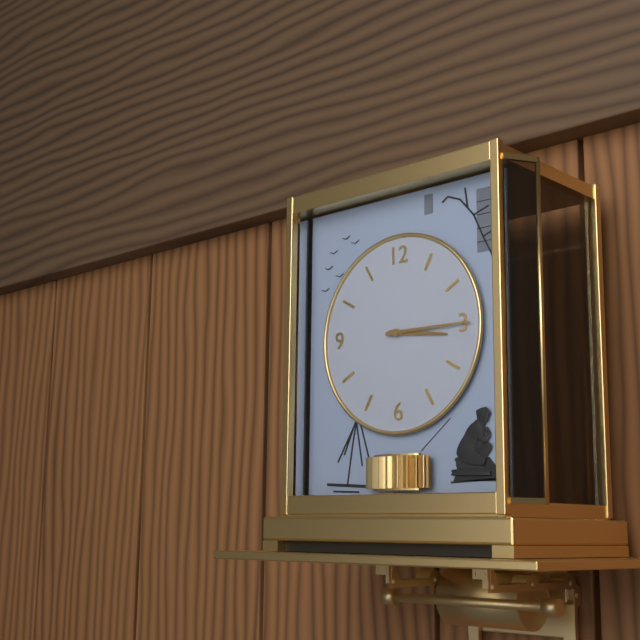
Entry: 3 h 15 min
